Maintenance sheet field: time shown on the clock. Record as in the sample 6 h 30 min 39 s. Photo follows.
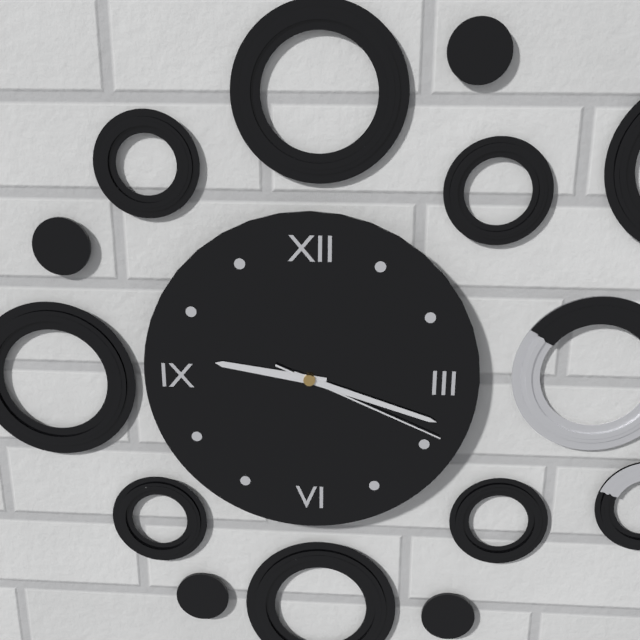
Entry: 9 h 18 min 19 s
